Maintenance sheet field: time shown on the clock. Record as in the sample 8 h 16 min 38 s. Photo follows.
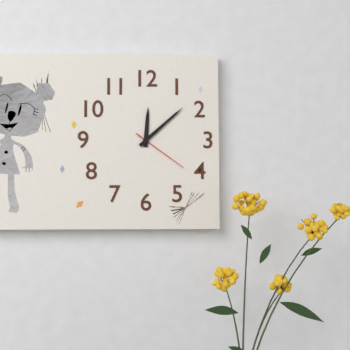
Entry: 12 h 08 min 21 s
